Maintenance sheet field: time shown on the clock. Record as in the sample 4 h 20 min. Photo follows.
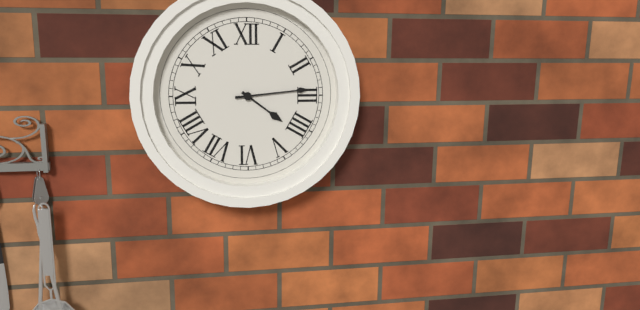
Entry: 4 h 14 min
